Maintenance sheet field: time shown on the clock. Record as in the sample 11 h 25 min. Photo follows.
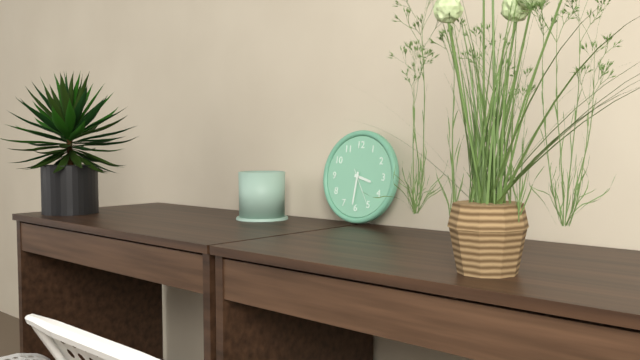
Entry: 3 h 31 min
